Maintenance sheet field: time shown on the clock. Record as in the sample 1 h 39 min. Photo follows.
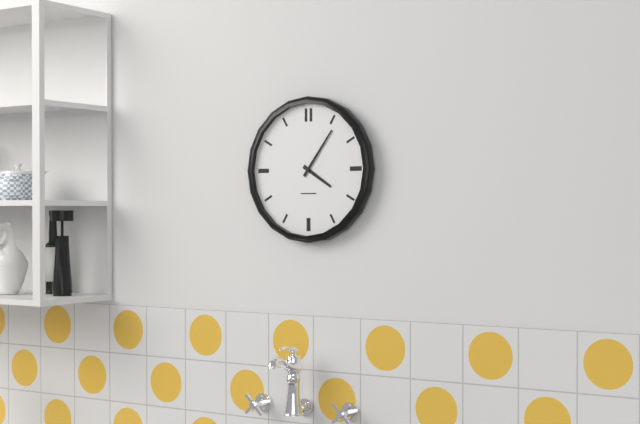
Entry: 4 h 06 min
